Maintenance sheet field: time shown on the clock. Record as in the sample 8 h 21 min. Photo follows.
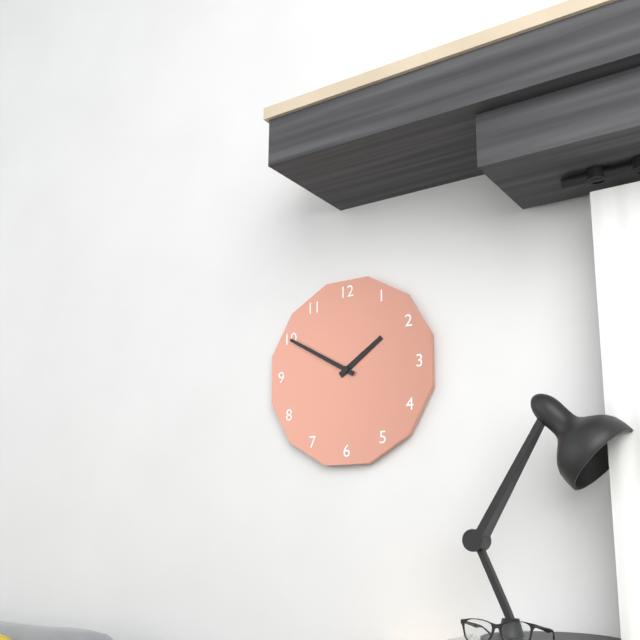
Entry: 1 h 50 min
